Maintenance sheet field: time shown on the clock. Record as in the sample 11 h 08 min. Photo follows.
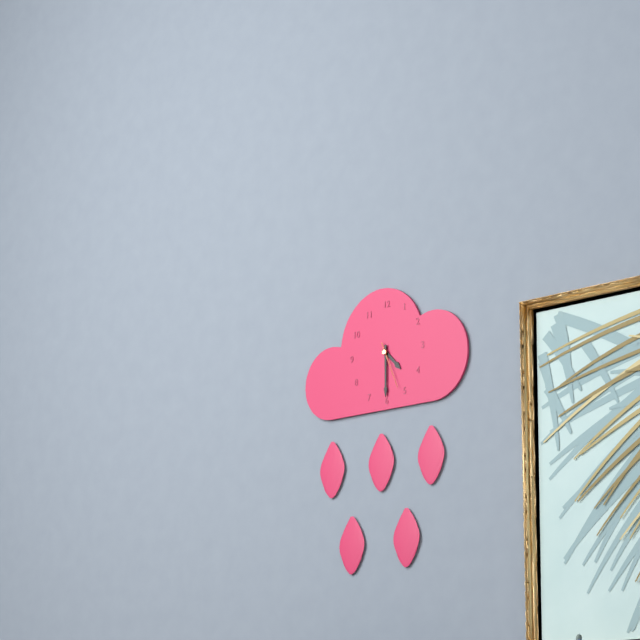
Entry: 4 h 30 min
